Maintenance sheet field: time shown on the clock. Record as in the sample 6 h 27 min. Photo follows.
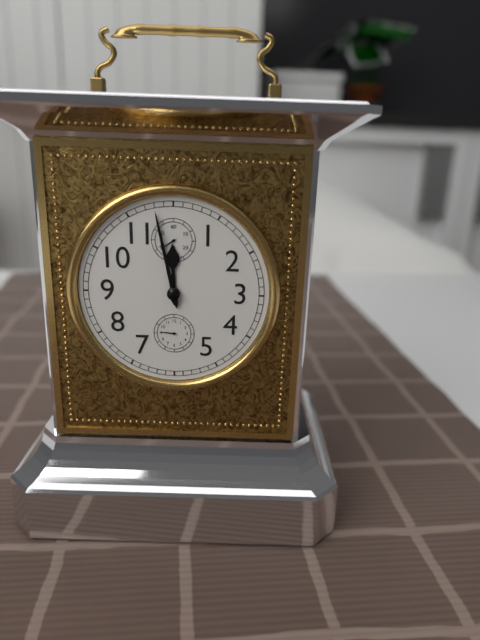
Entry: 11 h 58 min
